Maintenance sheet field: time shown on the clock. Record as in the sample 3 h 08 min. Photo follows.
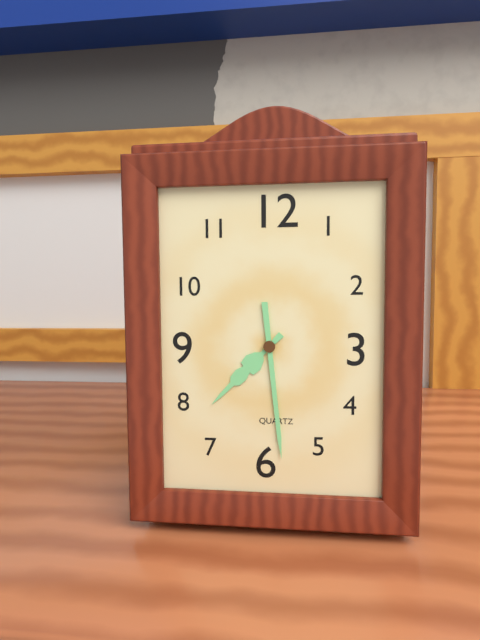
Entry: 7 h 29 min
